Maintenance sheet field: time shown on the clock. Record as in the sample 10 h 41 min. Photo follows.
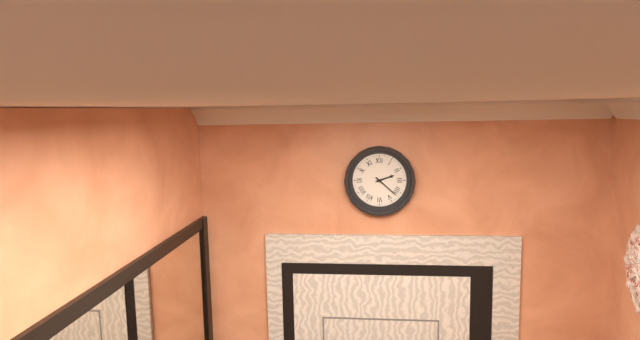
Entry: 2 h 22 min
